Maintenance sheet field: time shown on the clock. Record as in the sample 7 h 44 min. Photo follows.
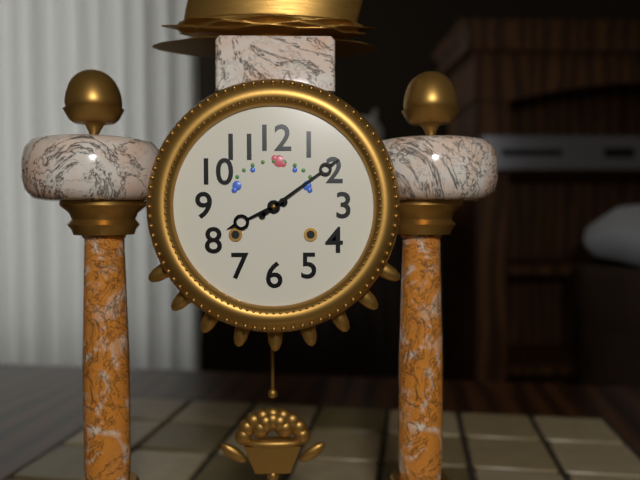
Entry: 8 h 09 min
